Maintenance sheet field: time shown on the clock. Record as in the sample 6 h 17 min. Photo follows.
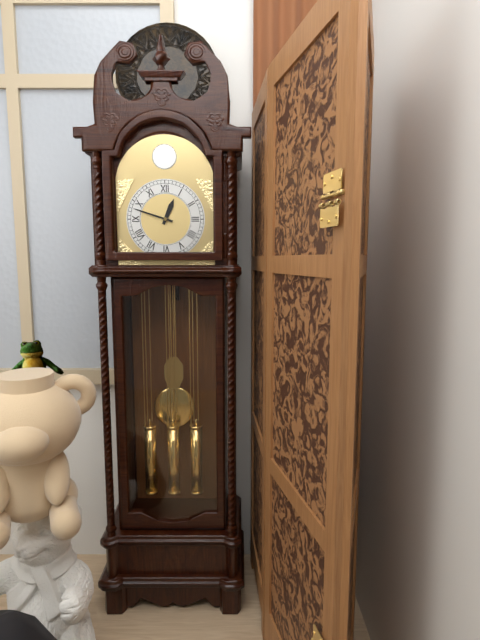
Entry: 12 h 48 min
